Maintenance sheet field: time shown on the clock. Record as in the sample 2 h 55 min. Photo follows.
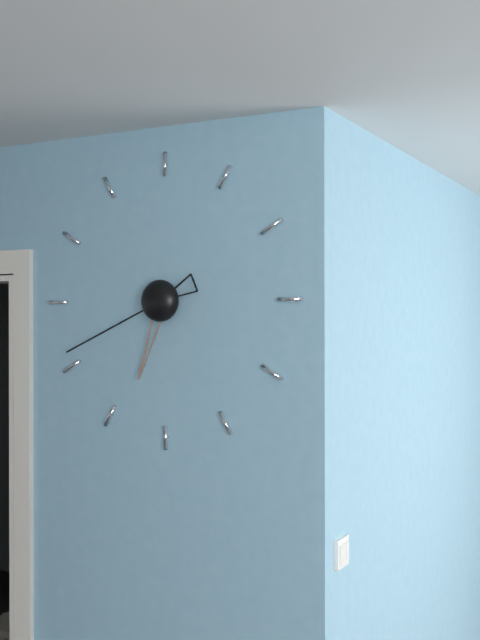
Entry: 6 h 41 min
